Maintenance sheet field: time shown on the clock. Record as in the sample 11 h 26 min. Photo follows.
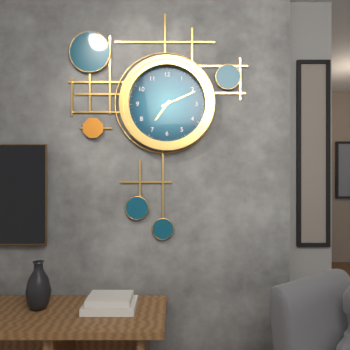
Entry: 7 h 11 min
